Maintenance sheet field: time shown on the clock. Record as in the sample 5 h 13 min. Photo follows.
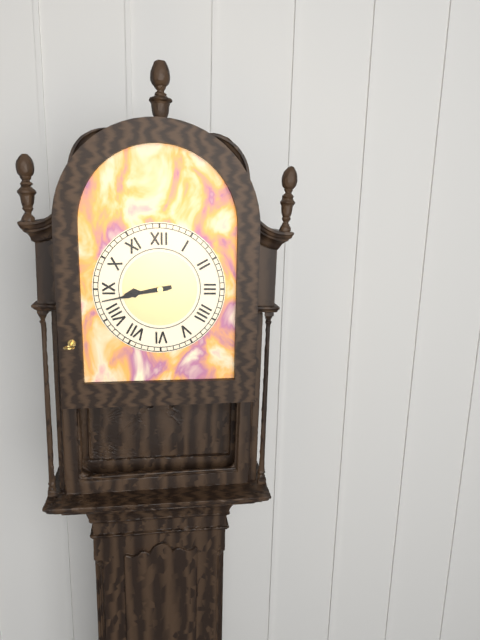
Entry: 8 h 43 min
